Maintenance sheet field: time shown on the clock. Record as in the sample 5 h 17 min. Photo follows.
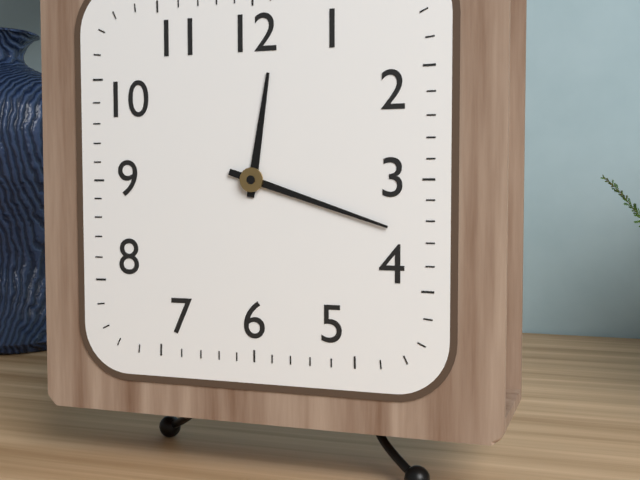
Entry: 12 h 18 min
